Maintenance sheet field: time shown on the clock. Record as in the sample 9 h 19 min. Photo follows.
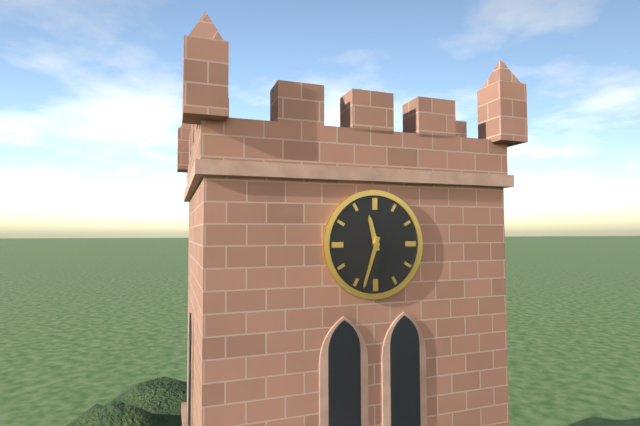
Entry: 11 h 33 min
